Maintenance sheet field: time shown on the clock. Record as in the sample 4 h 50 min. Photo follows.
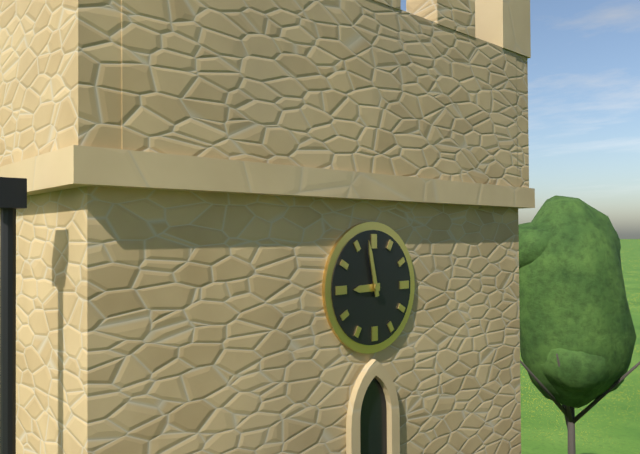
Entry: 8 h 58 min
